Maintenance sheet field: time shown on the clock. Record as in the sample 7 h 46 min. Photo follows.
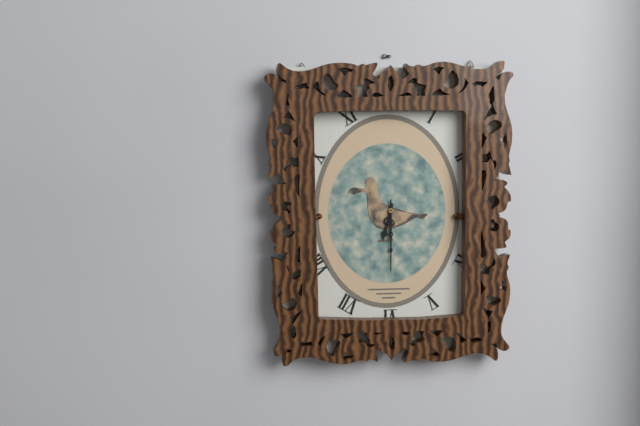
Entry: 6 h 30 min
